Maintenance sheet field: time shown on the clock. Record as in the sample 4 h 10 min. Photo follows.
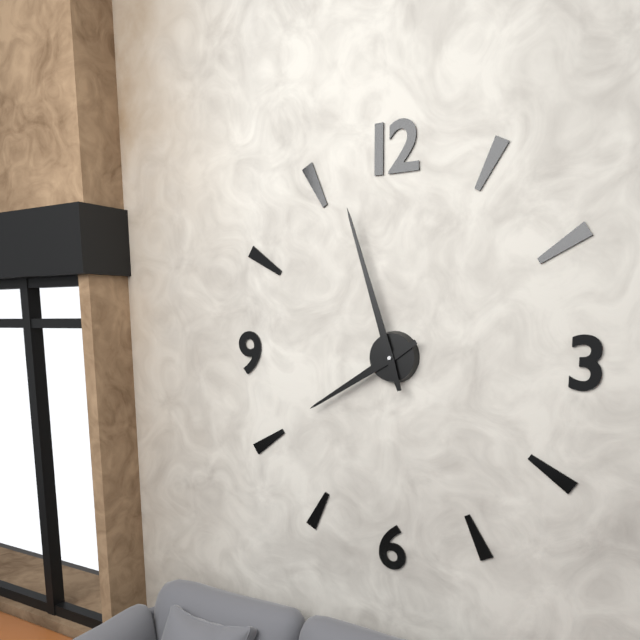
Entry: 7 h 57 min
